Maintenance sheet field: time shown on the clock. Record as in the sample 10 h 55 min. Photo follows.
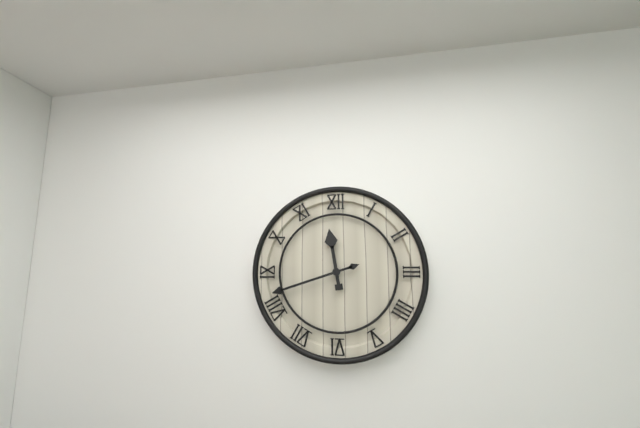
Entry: 11 h 42 min
